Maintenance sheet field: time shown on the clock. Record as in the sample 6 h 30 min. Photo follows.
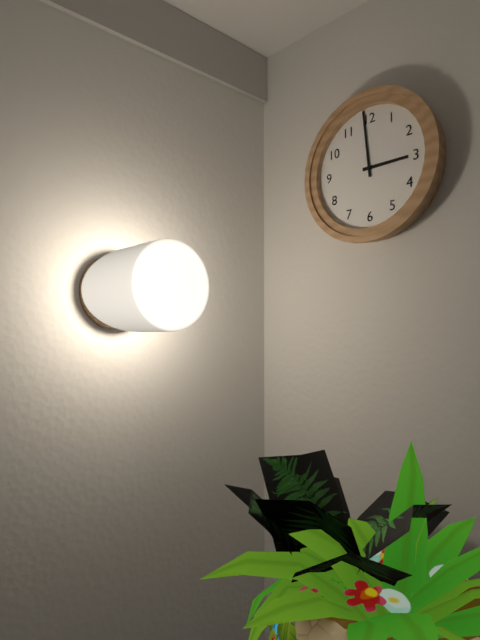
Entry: 2 h 59 min
